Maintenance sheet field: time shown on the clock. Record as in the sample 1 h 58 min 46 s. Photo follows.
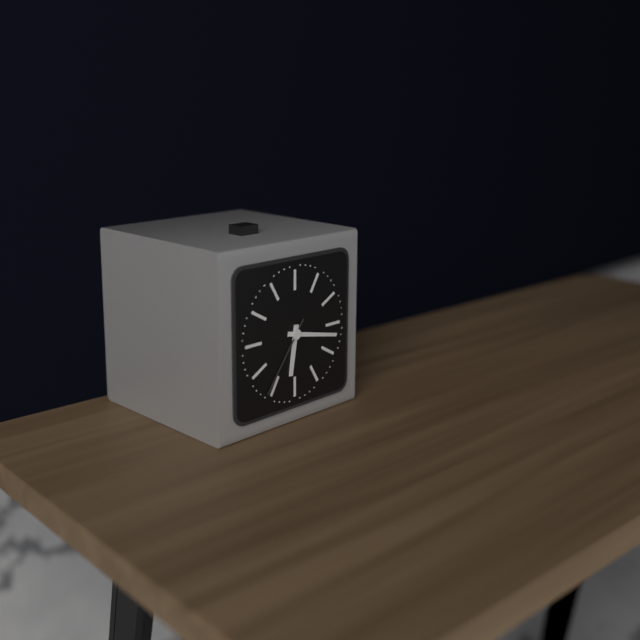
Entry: 6 h 17 min 36 s
